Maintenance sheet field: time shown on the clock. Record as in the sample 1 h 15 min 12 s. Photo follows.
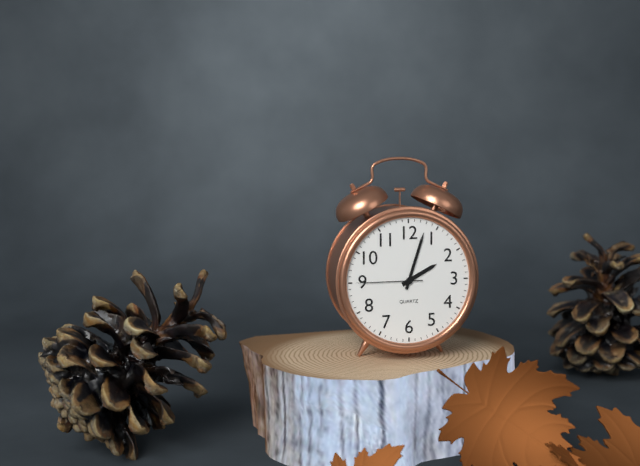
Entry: 2 h 03 min 45 s
